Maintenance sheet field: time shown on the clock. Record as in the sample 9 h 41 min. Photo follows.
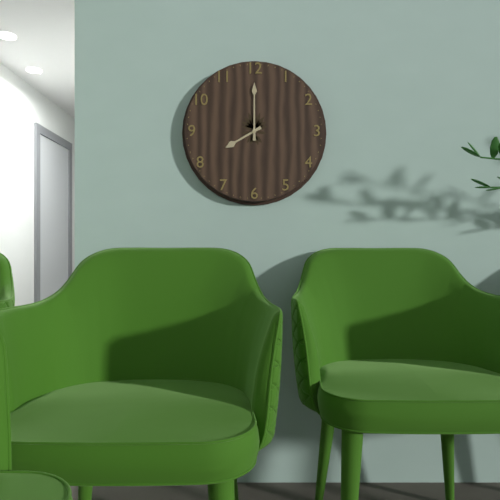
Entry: 8 h 00 min
